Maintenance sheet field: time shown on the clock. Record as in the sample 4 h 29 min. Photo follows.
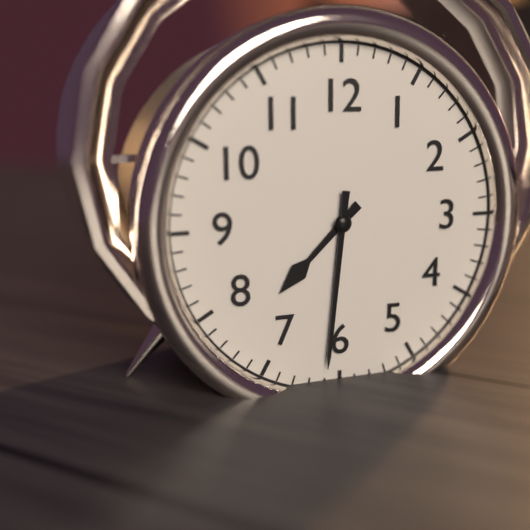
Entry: 7 h 31 min
